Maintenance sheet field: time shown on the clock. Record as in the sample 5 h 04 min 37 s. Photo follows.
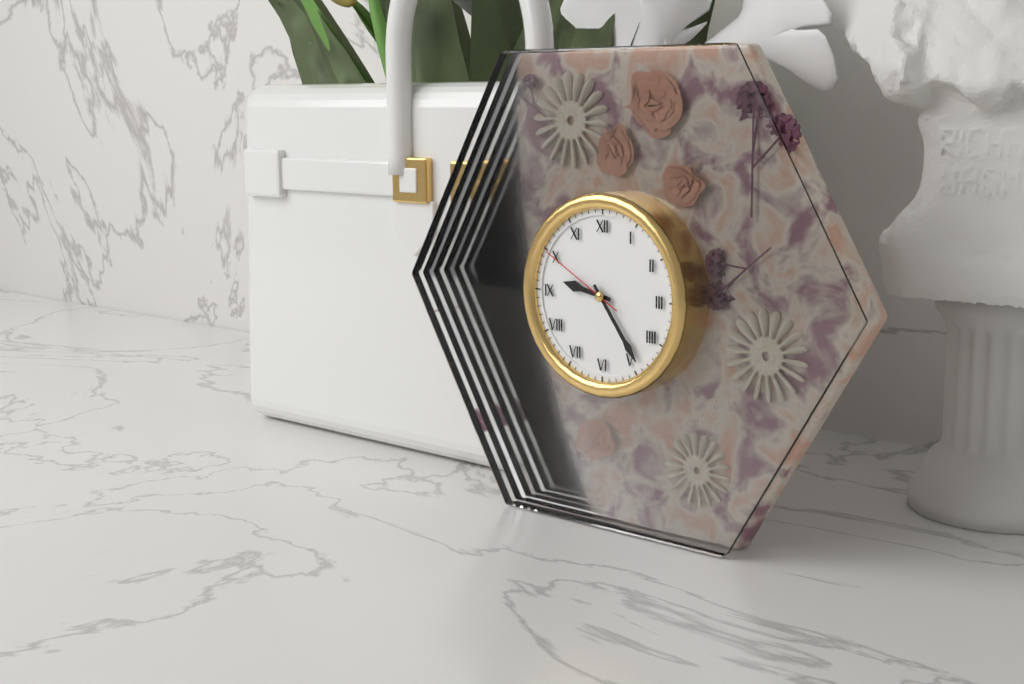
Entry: 9 h 24 min 50 s
